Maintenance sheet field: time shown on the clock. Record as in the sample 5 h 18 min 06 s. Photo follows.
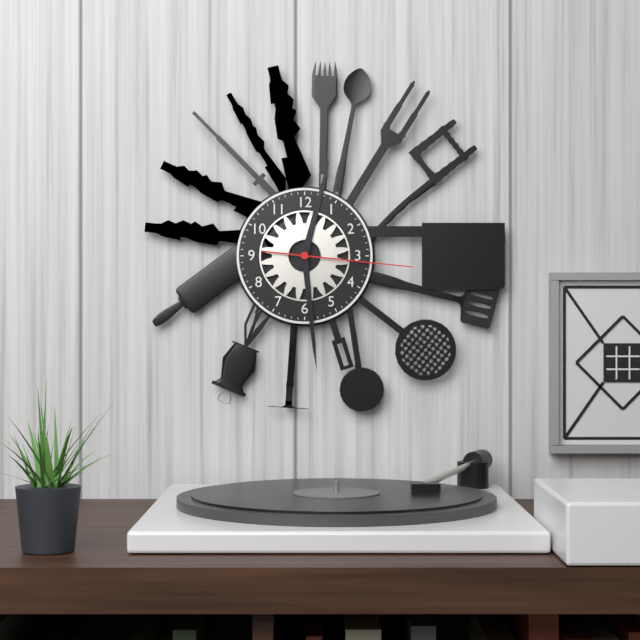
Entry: 12 h 29 min 16 s
